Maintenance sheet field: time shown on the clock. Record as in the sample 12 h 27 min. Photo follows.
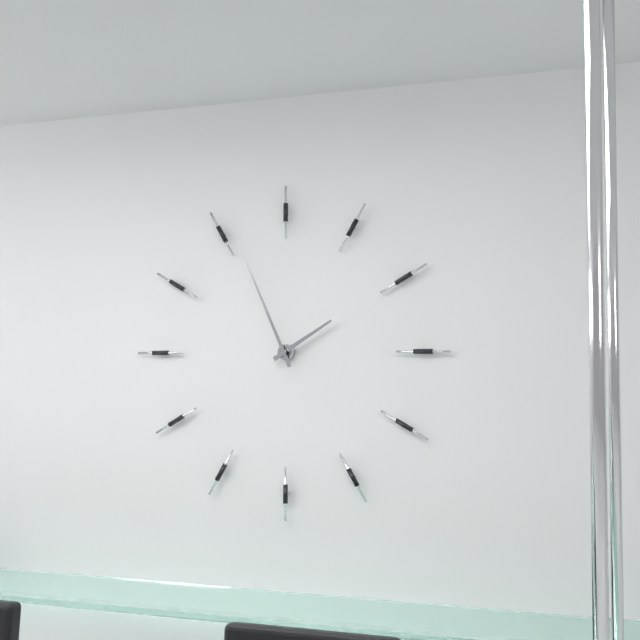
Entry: 1 h 56 min
